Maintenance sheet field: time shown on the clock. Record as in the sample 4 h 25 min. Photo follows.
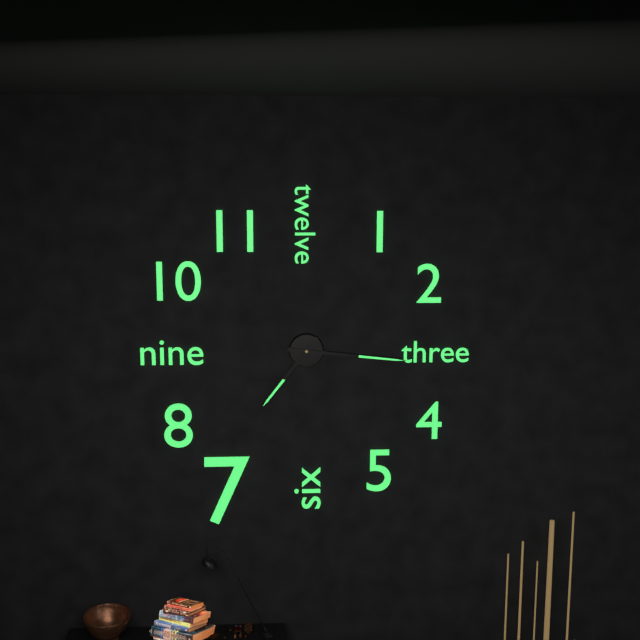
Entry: 7 h 16 min
